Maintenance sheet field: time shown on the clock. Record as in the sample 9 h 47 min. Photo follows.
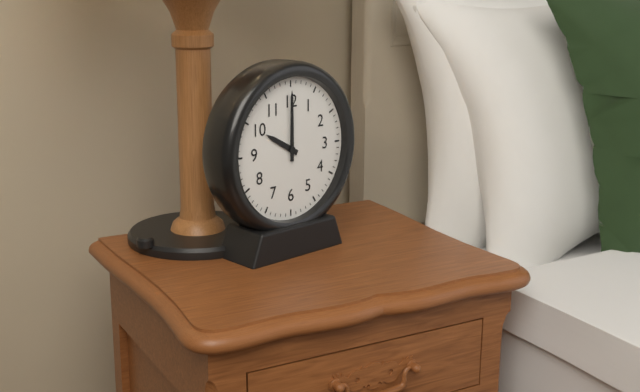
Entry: 10 h 00 min
